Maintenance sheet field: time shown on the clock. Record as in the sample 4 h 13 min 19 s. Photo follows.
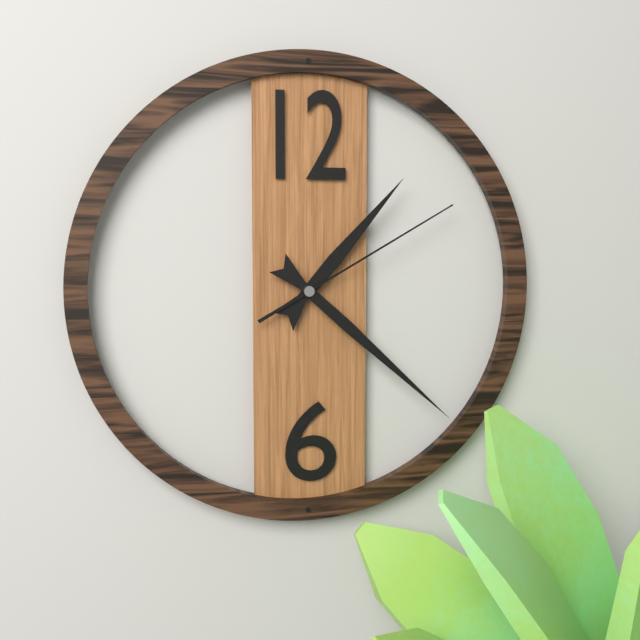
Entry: 1 h 22 min 10 s
